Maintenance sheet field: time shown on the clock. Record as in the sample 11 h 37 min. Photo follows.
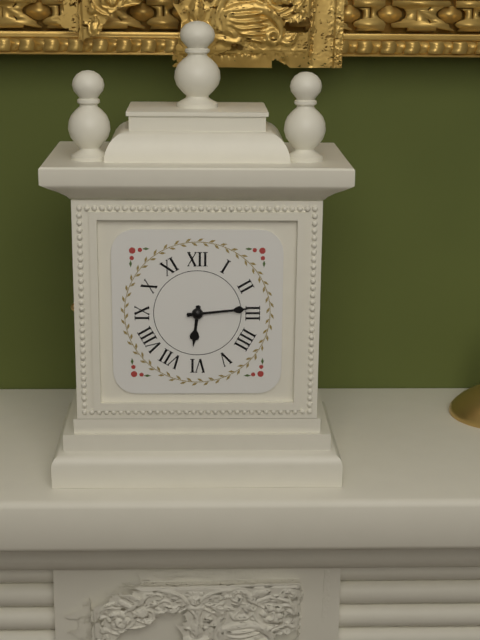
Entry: 6 h 14 min
